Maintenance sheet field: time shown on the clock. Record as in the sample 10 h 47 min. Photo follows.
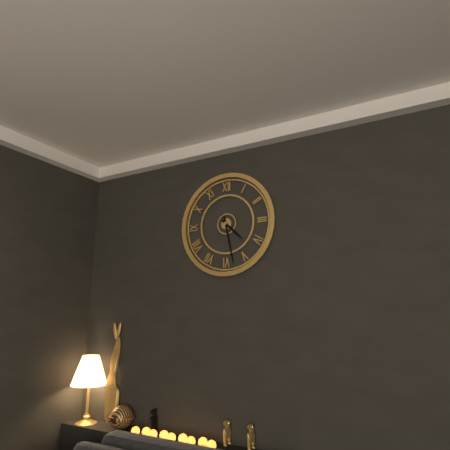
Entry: 4 h 28 min
